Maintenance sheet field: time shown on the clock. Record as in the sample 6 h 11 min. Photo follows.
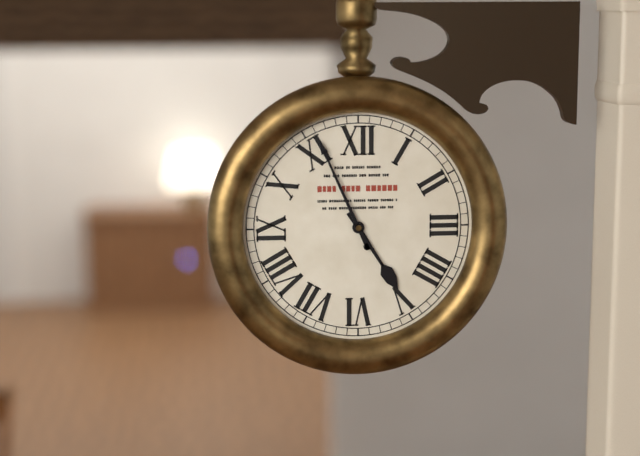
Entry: 4 h 56 min
